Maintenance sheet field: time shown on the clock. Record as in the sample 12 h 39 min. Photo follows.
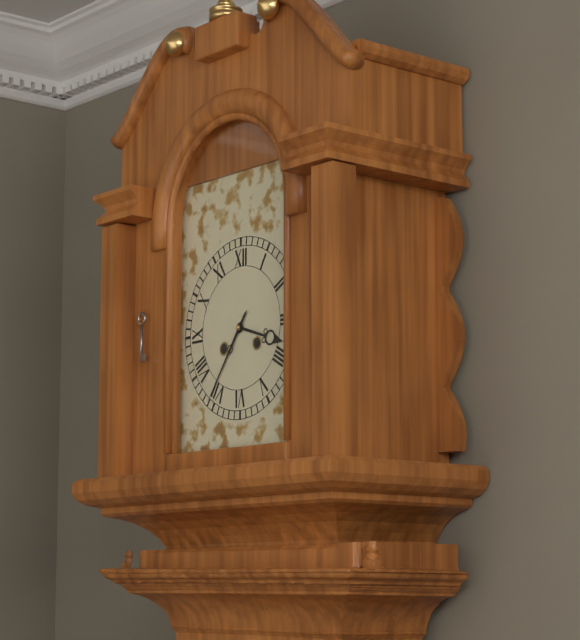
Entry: 3 h 36 min
